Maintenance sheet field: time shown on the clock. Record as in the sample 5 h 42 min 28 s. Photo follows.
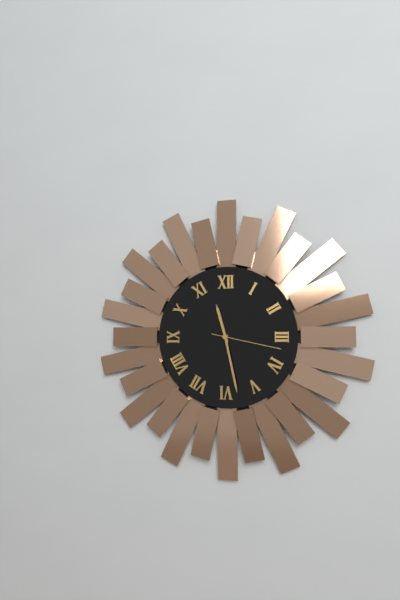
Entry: 11 h 28 min 17 s
